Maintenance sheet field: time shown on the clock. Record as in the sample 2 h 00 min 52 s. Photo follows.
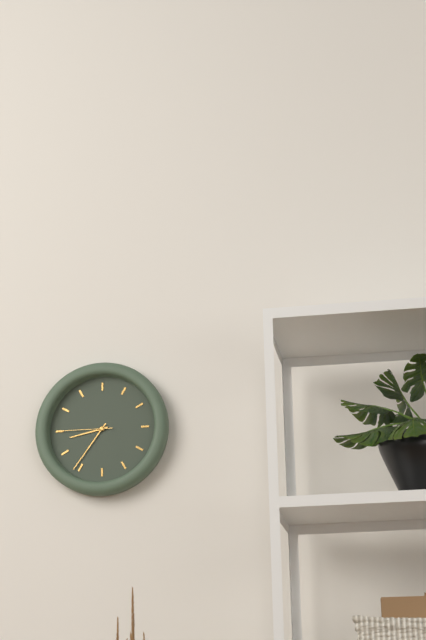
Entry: 8 h 36 min 45 s
